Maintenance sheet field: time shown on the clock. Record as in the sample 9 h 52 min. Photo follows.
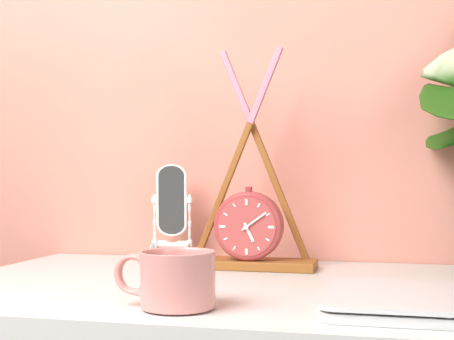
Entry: 5 h 09 min
